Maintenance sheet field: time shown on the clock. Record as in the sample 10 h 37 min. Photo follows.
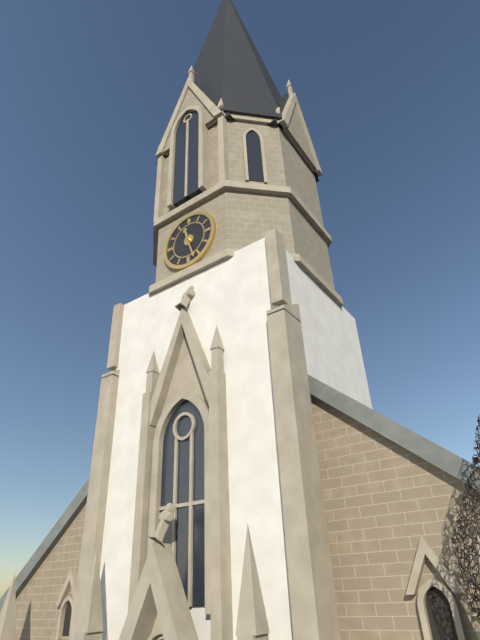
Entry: 11 h 27 min
